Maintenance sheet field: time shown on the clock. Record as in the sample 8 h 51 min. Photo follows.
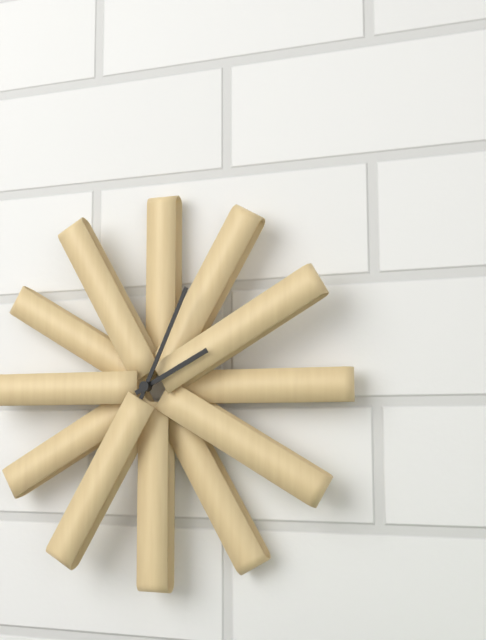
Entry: 2 h 04 min
